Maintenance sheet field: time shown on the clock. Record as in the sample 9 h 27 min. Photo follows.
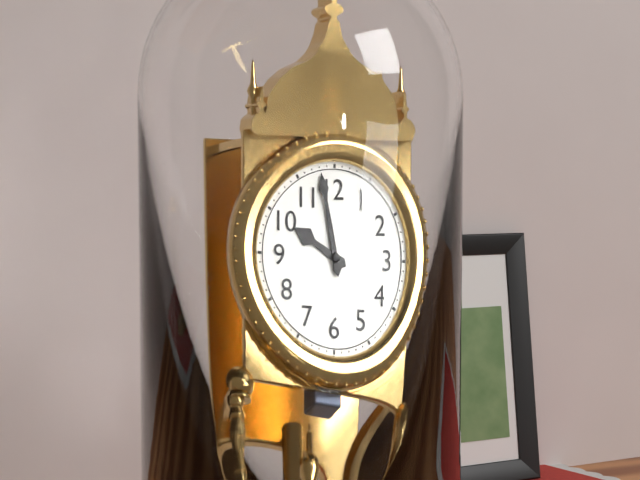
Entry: 9 h 58 min
